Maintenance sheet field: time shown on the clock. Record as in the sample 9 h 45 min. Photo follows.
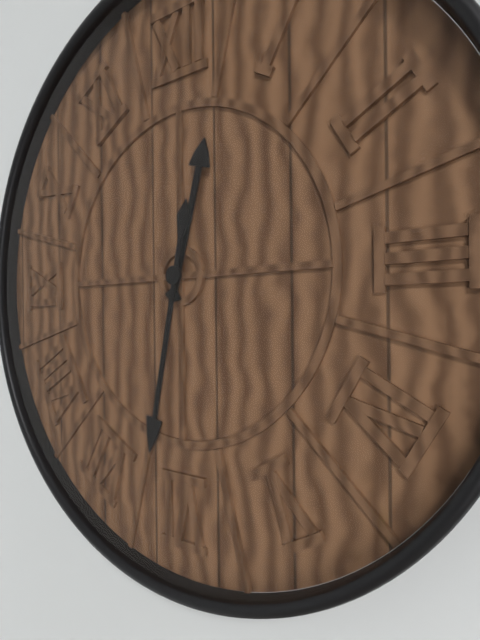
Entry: 12 h 32 min
